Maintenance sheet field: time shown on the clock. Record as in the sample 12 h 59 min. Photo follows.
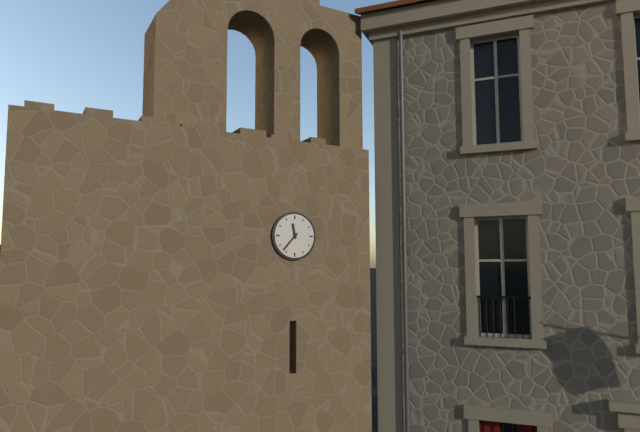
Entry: 11 h 37 min
